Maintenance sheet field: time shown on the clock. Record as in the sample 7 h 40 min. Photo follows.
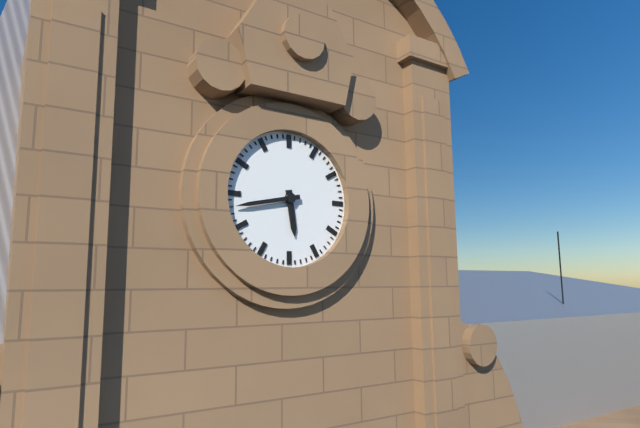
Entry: 5 h 43 min
